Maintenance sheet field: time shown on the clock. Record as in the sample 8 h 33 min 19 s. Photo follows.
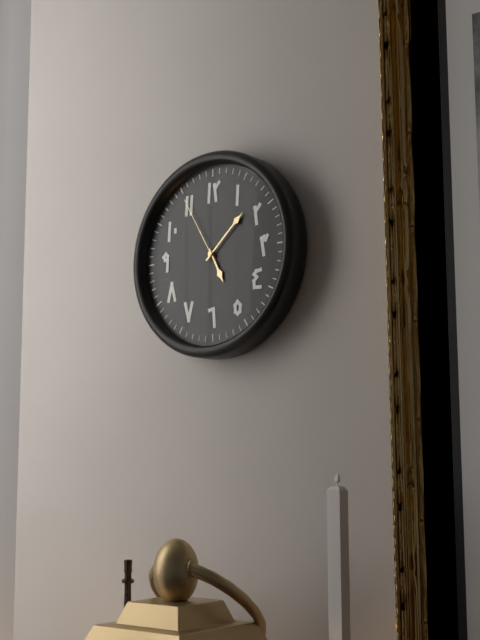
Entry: 5 h 08 min 55 s
